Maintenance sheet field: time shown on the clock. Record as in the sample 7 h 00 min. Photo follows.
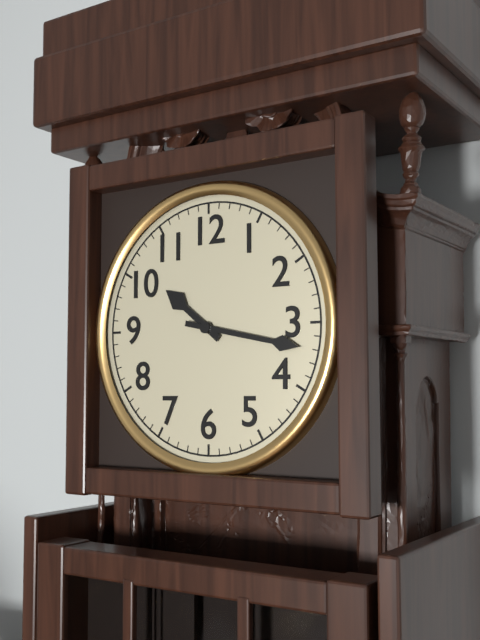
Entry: 10 h 17 min
